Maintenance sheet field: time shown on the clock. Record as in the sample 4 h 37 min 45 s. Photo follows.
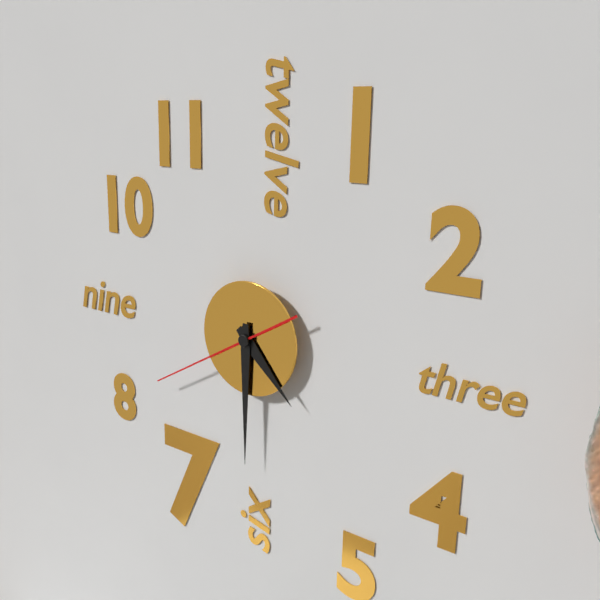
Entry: 4 h 30 min 40 s
